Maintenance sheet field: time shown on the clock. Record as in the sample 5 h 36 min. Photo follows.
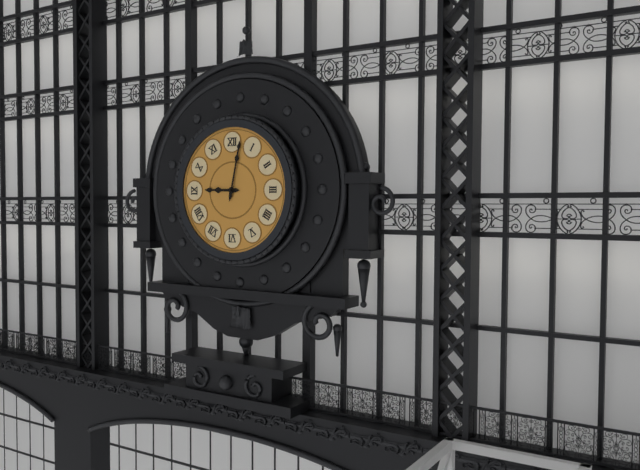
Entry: 9 h 02 min
